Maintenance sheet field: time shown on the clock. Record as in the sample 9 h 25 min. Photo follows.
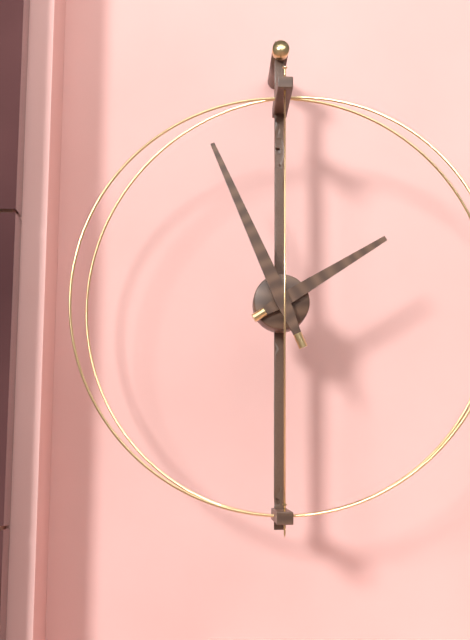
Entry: 1 h 56 min
